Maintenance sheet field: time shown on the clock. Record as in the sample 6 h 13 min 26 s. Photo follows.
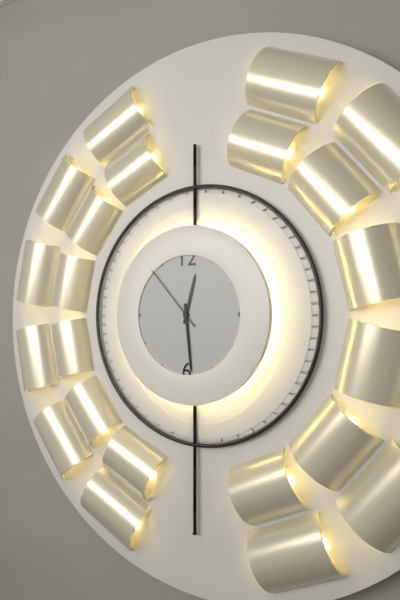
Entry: 12 h 29 min 53 s
